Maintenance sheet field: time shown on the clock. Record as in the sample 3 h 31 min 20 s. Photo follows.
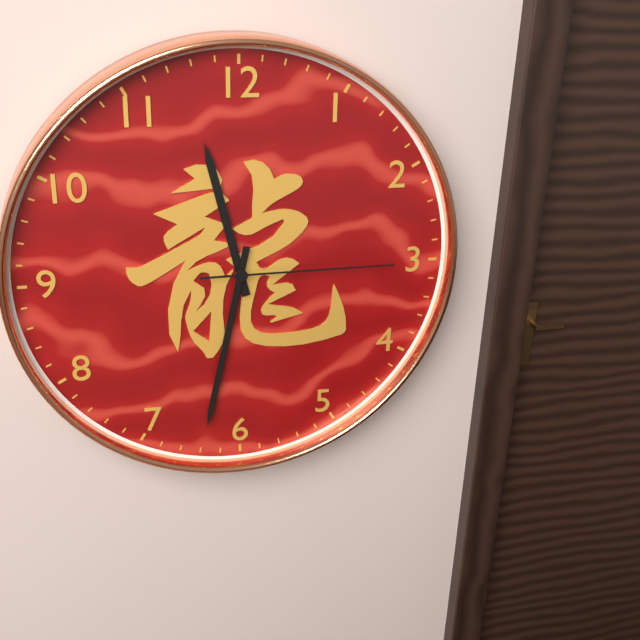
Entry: 11 h 32 min 15 s
